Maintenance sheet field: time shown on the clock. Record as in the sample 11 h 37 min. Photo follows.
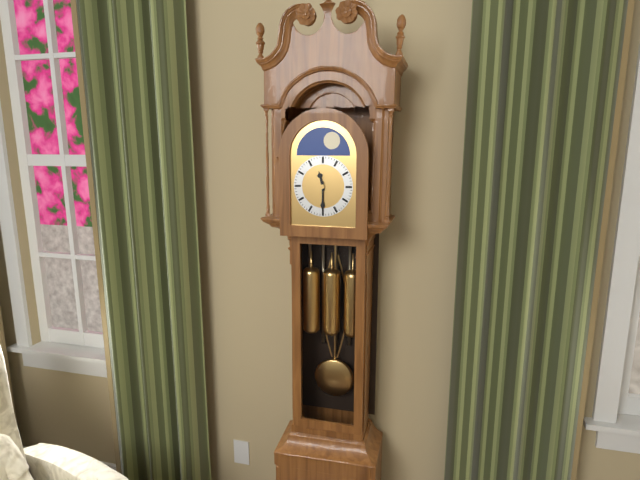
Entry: 11 h 30 min
